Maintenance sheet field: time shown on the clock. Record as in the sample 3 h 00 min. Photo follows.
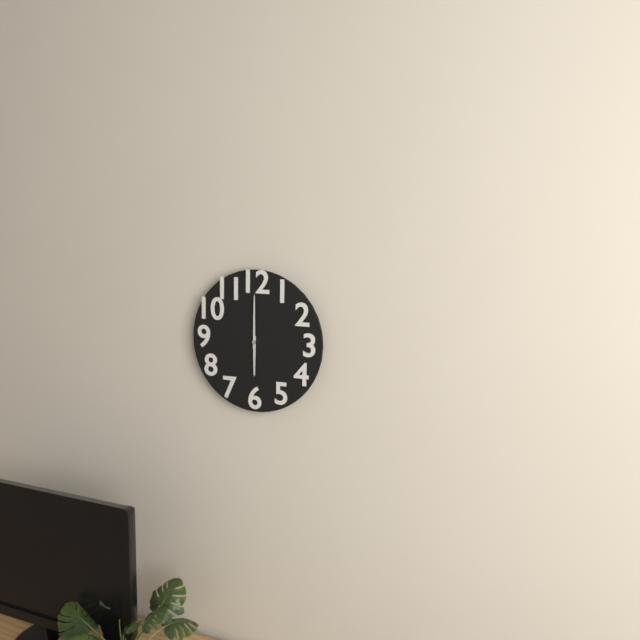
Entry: 6 h 00 min
